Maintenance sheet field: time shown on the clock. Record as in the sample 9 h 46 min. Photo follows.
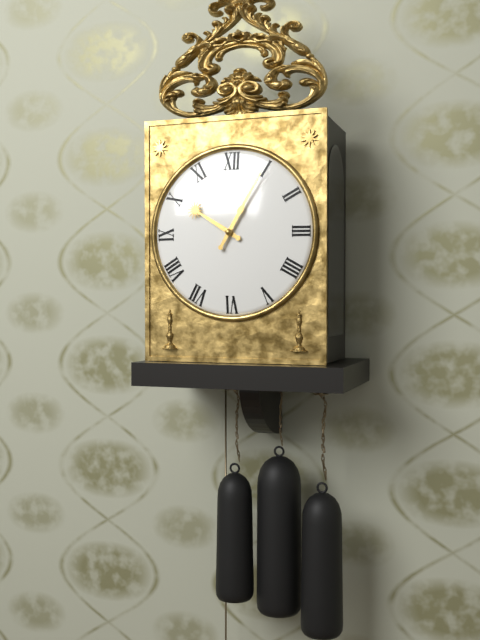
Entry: 10 h 05 min
